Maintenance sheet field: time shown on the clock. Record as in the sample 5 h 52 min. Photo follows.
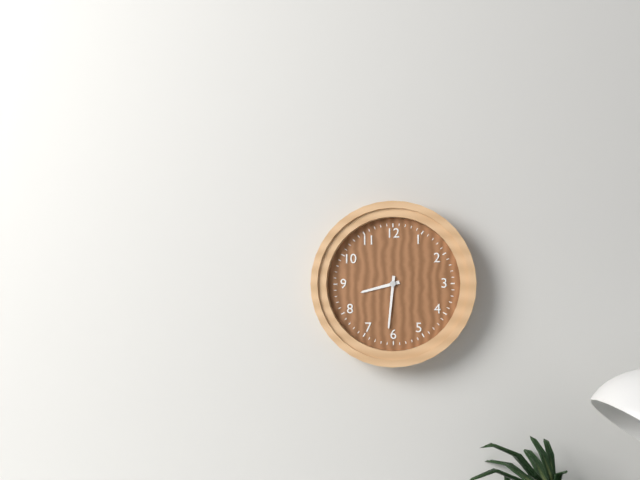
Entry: 8 h 31 min
